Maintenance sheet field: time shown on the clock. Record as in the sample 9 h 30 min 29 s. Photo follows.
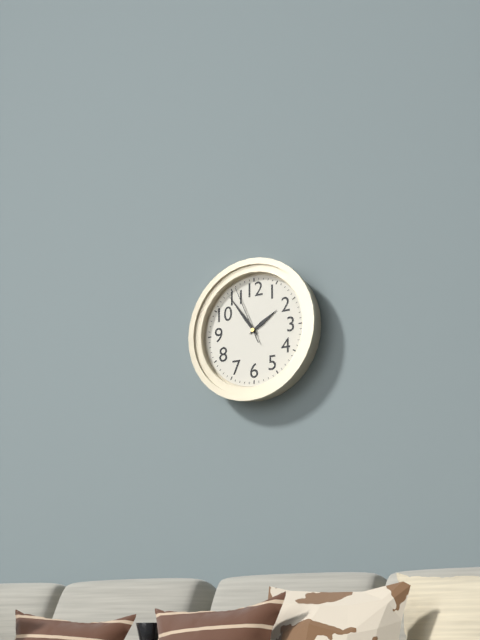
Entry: 1 h 54 min 56 s
